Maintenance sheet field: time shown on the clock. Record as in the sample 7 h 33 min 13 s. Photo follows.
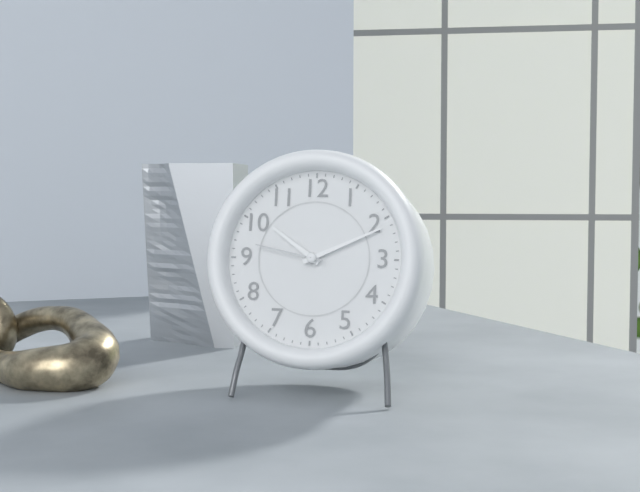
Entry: 10 h 11 min 47 s
